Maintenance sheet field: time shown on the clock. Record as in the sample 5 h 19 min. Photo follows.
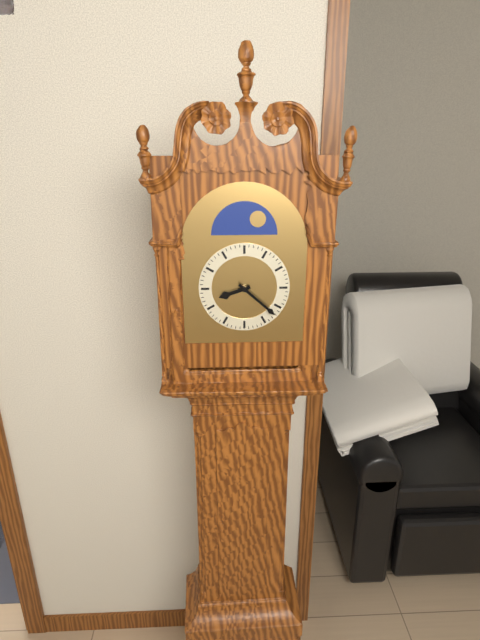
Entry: 8 h 22 min
